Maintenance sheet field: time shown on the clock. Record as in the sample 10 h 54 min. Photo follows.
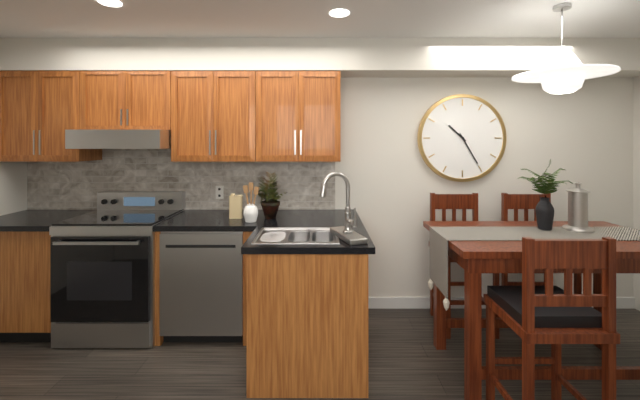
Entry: 10 h 25 min
